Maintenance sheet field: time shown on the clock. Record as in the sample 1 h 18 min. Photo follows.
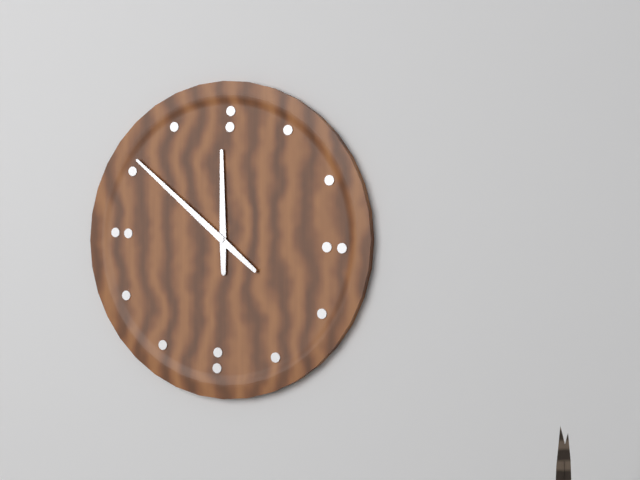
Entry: 11 h 51 min
